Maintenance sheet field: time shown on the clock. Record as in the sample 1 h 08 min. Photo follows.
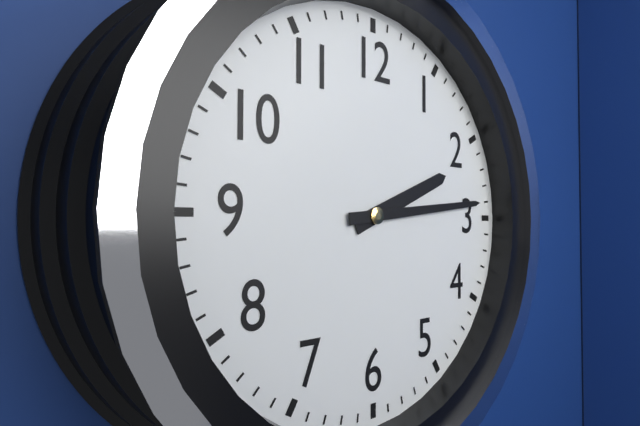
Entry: 2 h 14 min
